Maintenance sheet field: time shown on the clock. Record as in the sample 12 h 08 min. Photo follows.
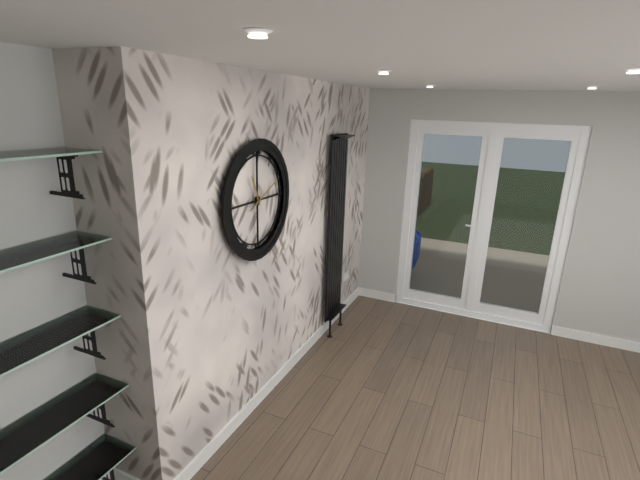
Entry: 11 h 11 min
